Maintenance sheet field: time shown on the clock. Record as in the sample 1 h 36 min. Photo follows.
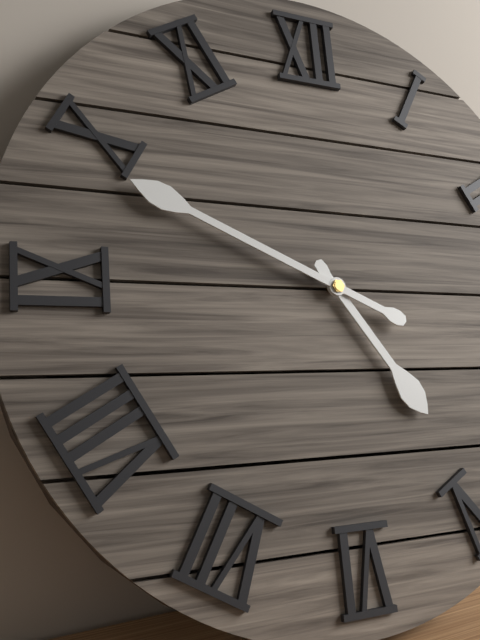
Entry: 4 h 49 min
